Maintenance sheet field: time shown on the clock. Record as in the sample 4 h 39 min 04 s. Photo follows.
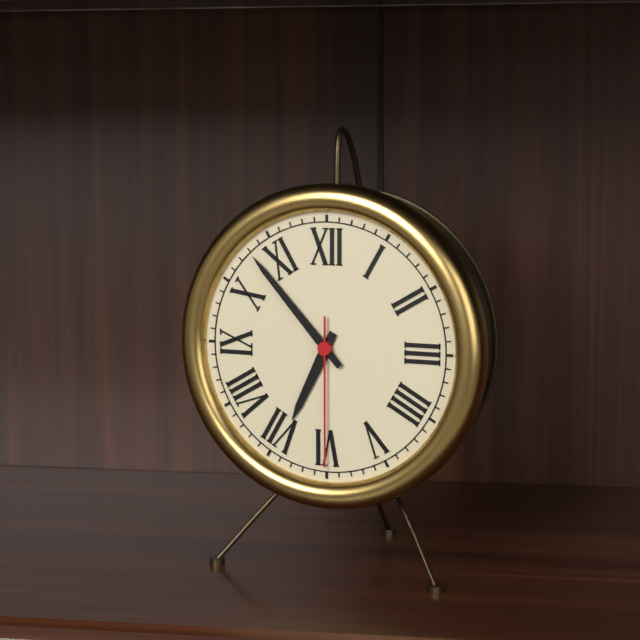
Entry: 6 h 53 min 30 s
